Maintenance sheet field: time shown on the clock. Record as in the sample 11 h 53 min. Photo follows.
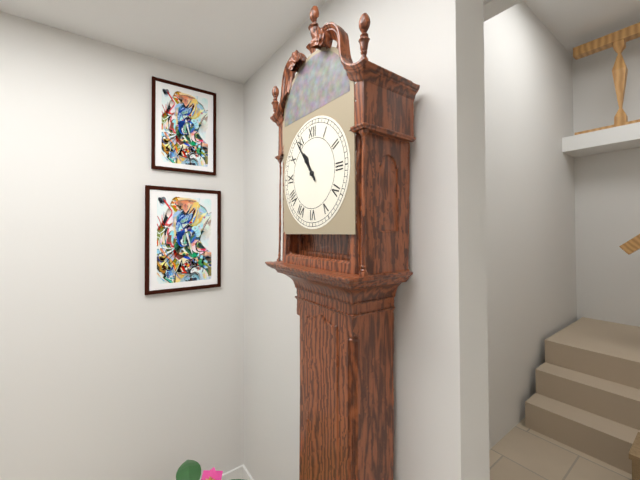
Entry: 10 h 54 min
